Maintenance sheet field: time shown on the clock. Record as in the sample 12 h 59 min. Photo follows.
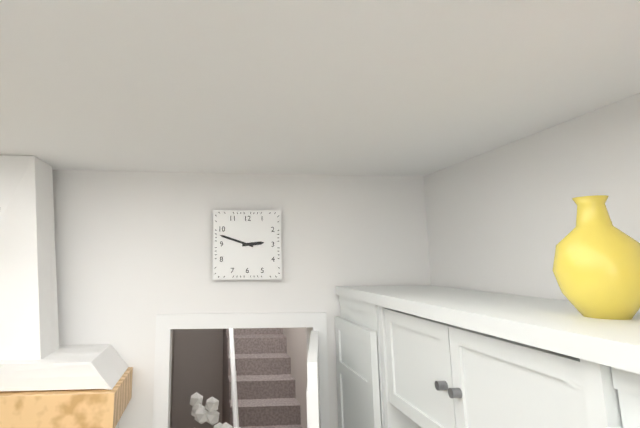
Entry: 2 h 48 min
